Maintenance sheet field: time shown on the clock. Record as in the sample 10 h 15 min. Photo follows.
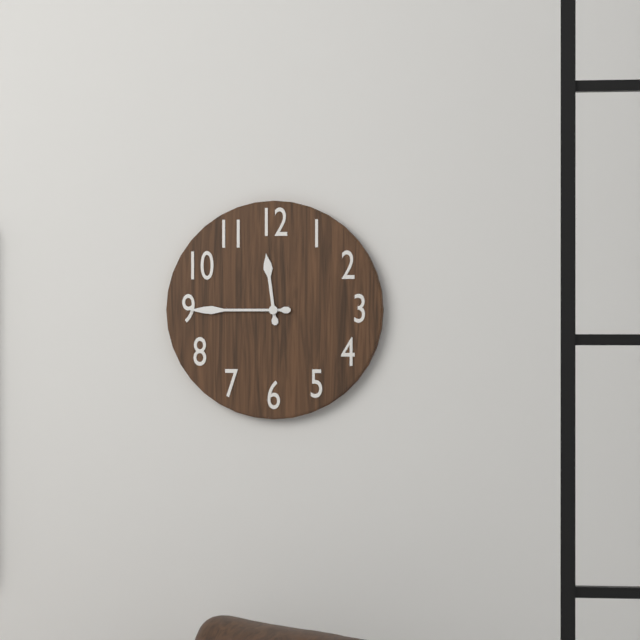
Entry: 11 h 45 min
